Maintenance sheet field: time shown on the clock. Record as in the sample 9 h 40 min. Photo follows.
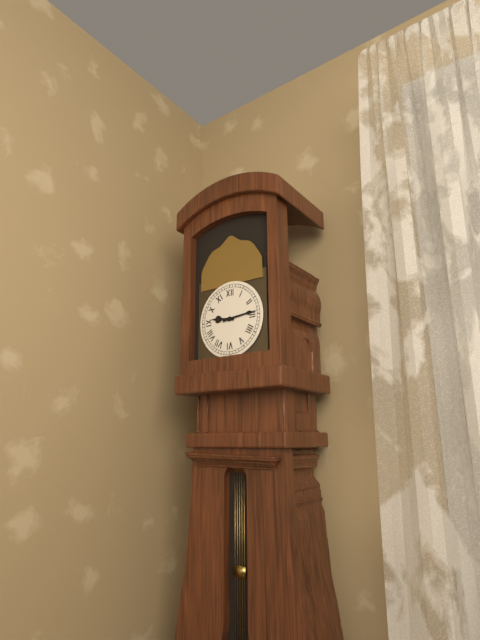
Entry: 9 h 14 min
